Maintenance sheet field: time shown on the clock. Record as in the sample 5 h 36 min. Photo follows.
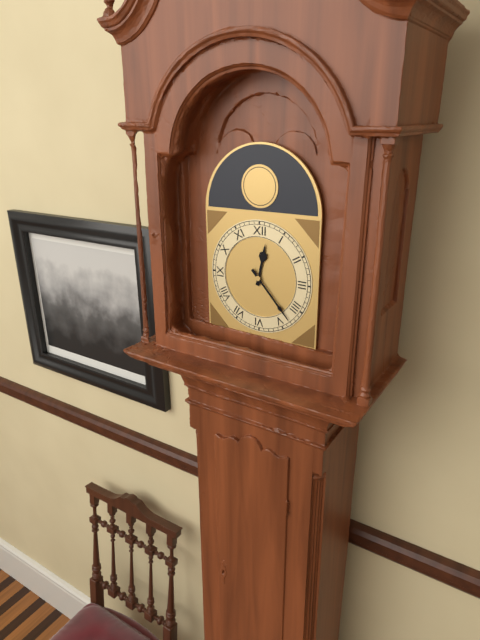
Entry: 12 h 23 min
